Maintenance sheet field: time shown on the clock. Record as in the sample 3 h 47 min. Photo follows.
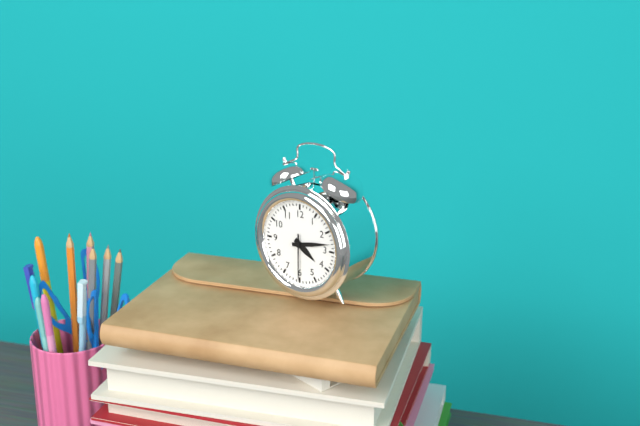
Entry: 4 h 13 min
